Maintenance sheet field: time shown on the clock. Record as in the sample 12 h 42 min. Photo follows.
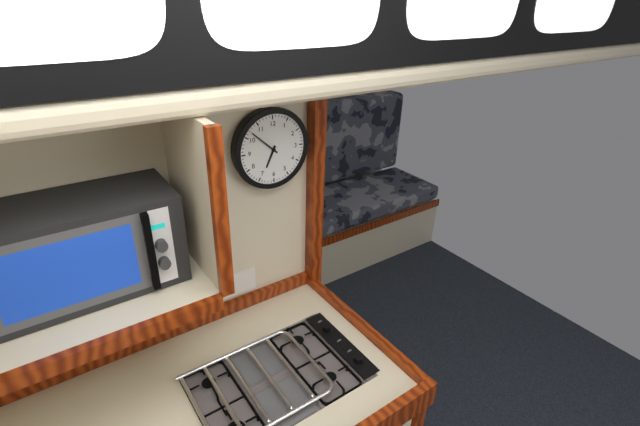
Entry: 6 h 52 min
